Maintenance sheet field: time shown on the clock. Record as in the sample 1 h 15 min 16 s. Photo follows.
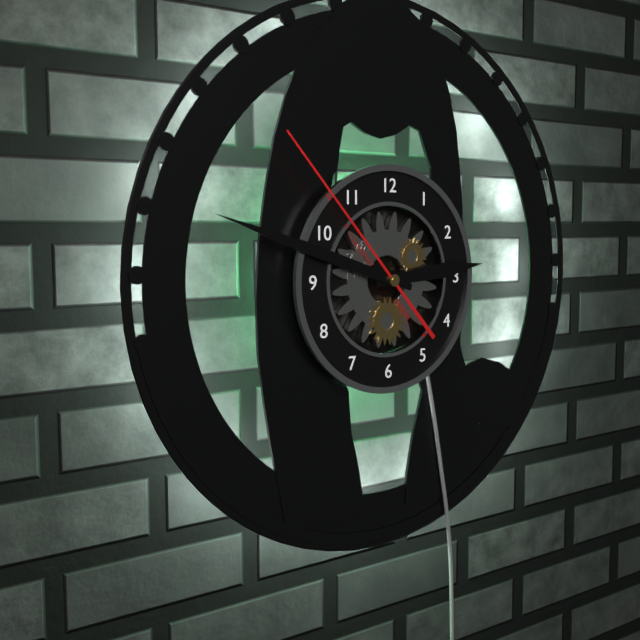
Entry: 2 h 48 min 53 s
